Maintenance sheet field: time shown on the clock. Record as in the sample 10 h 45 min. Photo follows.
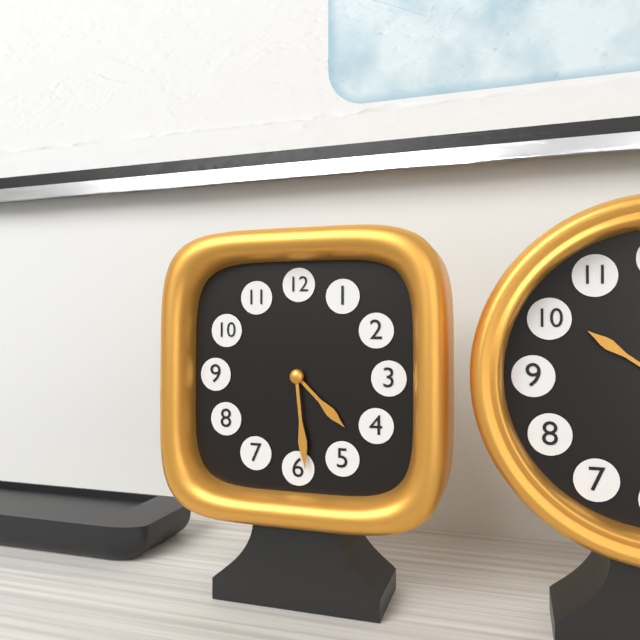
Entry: 4 h 29 min
